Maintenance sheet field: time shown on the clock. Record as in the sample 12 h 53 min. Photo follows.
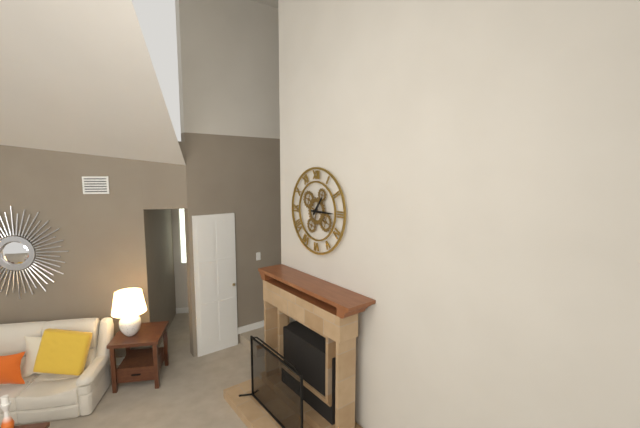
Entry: 1 h 15 min
